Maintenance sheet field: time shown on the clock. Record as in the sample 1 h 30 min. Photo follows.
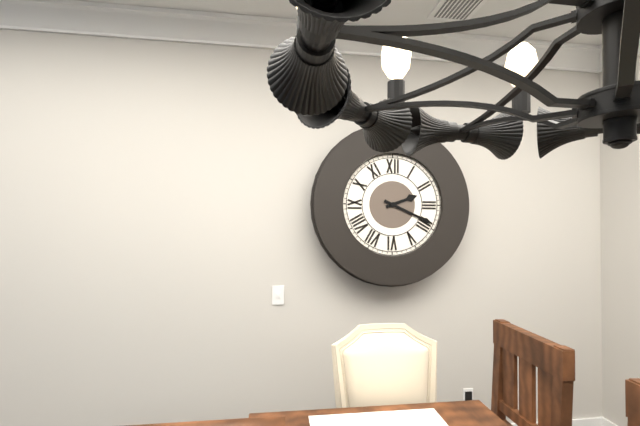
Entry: 2 h 19 min
